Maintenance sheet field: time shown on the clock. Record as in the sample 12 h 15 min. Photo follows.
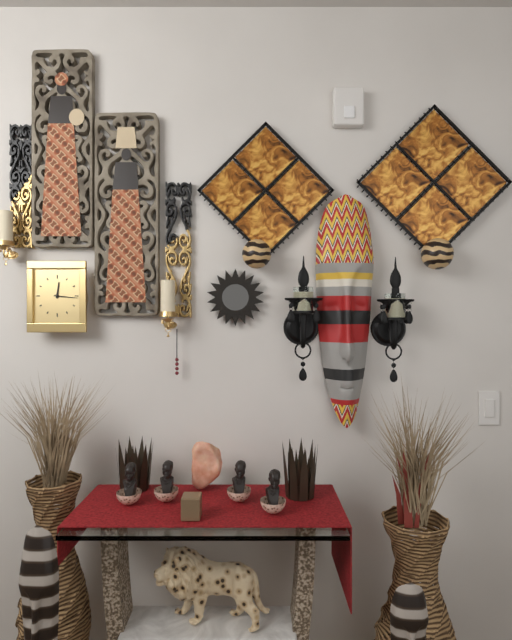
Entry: 12 h 16 min
